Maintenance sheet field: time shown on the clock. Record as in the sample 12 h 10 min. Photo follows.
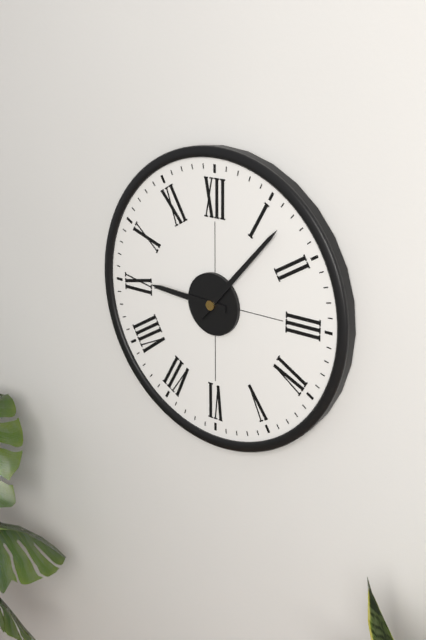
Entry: 9 h 07 min
